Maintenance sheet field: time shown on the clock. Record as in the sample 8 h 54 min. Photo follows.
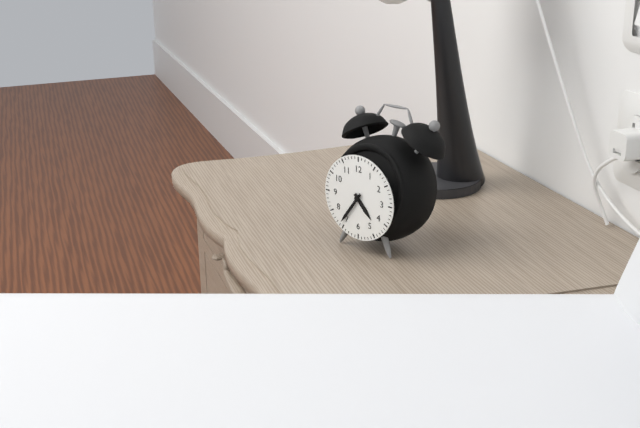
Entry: 4 h 36 min
